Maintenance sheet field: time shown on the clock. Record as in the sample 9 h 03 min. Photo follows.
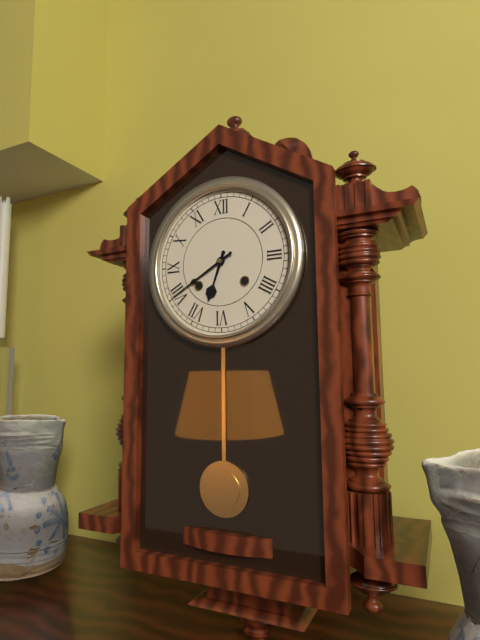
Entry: 6 h 40 min
